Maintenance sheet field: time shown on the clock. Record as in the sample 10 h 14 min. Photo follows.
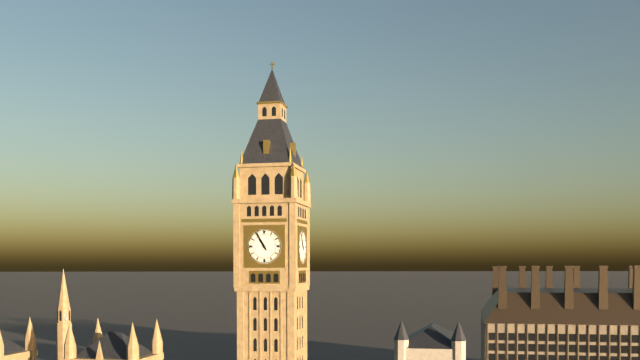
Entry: 10 h 55 min
